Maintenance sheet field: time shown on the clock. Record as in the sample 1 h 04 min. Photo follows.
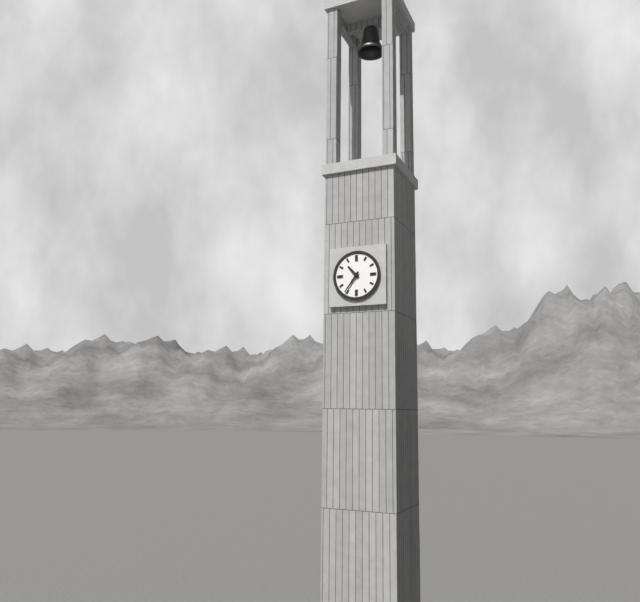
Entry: 10 h 36 min
